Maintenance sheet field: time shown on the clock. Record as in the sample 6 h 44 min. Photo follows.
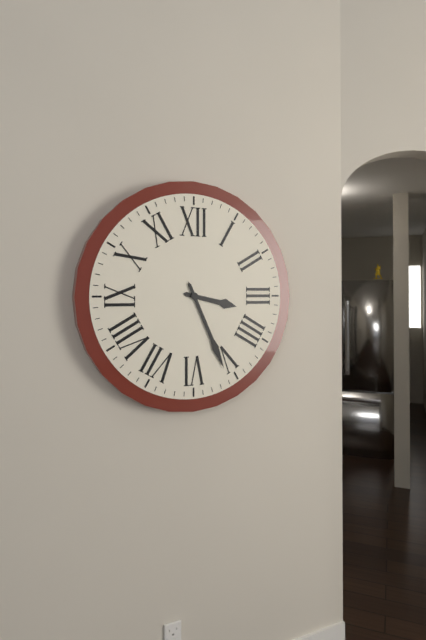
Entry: 3 h 26 min
